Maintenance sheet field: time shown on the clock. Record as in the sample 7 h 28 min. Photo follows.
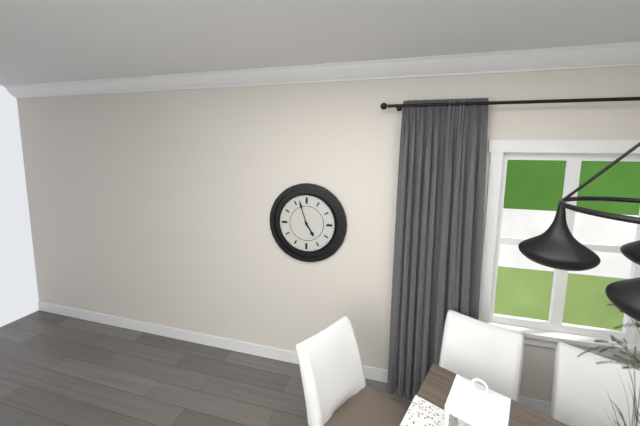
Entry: 4 h 57 min
